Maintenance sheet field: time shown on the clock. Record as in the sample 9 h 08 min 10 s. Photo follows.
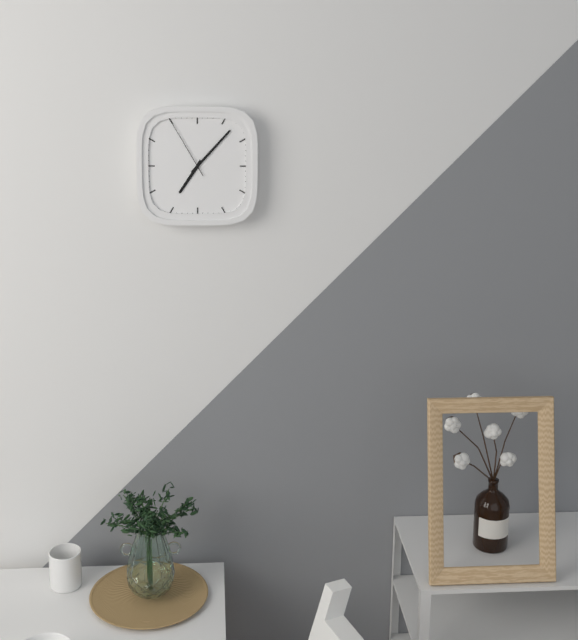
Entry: 7 h 07 min 55 s
